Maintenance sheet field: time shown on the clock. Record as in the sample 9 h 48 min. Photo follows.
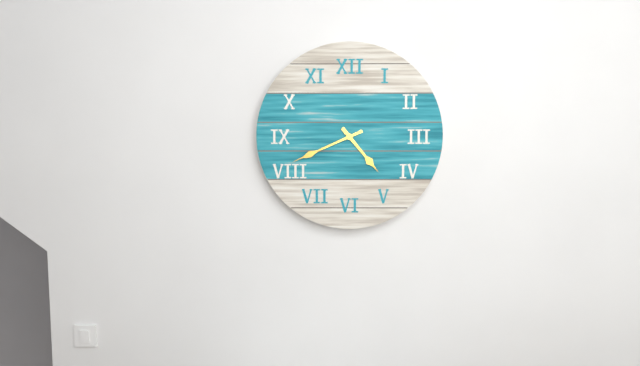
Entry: 4 h 41 min
